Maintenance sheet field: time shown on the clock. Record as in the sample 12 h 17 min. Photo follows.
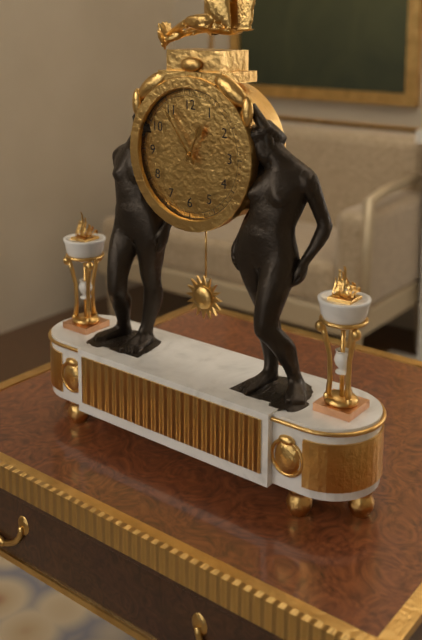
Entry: 12 h 54 min
